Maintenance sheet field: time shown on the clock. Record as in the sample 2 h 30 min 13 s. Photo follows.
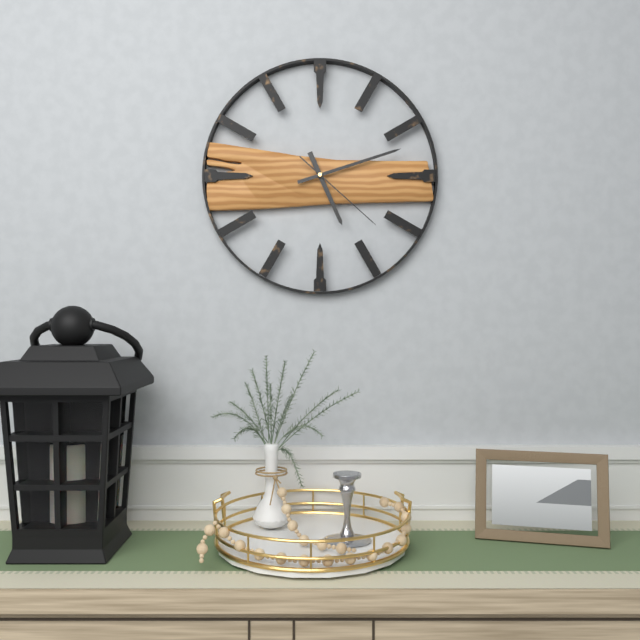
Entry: 5 h 12 min 22 s
